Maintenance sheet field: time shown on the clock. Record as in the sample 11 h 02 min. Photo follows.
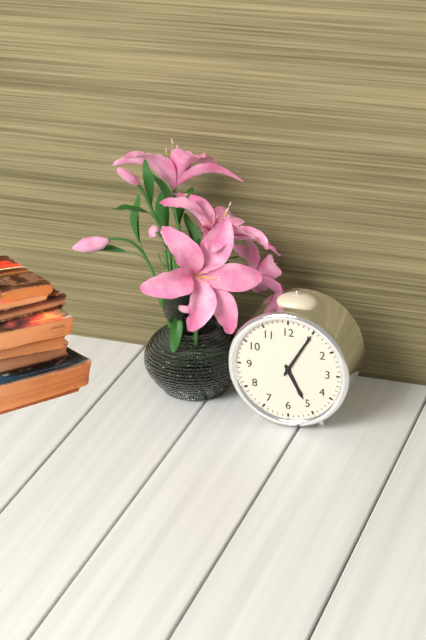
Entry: 5 h 05 min
